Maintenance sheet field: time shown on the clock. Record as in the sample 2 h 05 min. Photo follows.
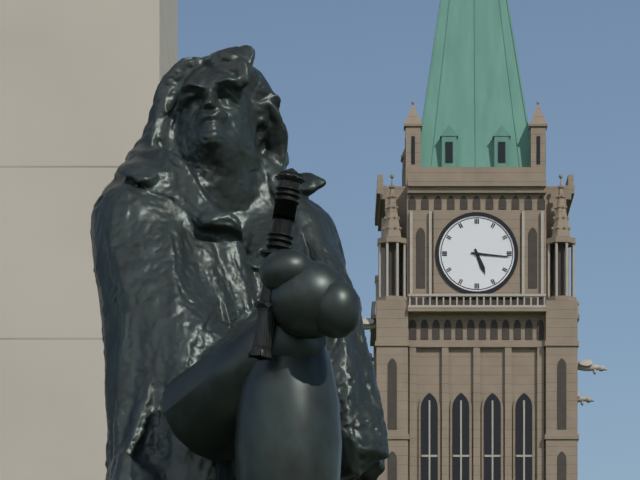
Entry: 5 h 16 min
